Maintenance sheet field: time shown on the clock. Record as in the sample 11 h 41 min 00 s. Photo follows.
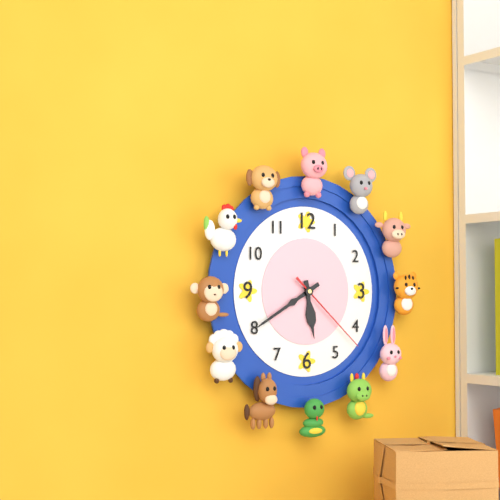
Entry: 5 h 40 min 22 s
